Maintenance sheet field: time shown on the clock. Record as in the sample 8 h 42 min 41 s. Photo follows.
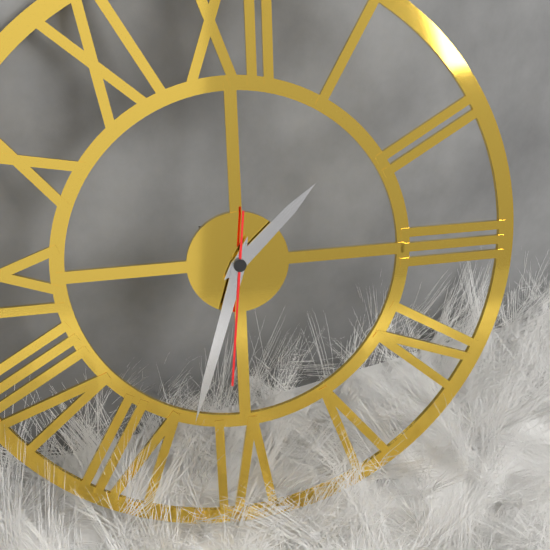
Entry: 1 h 33 min 31 s
